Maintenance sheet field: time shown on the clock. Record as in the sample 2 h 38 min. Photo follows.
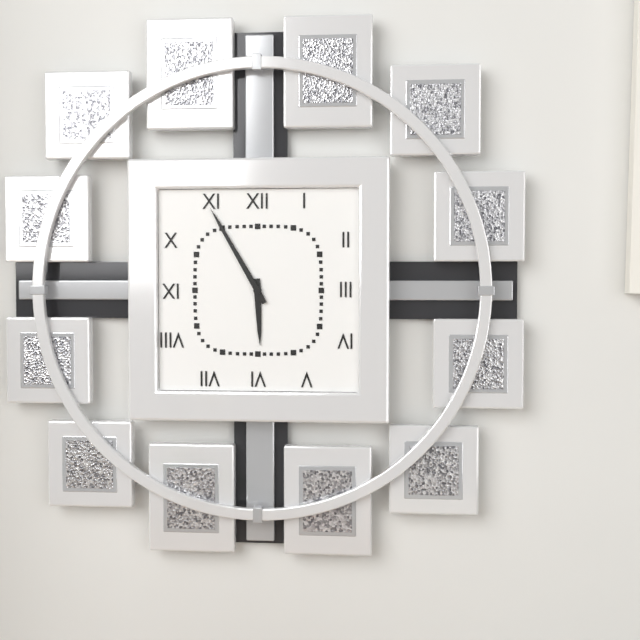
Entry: 5 h 55 min
